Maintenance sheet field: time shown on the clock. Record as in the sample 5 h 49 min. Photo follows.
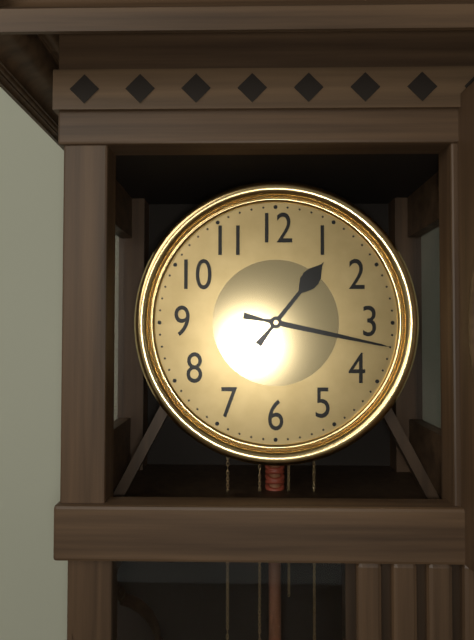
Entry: 1 h 17 min
